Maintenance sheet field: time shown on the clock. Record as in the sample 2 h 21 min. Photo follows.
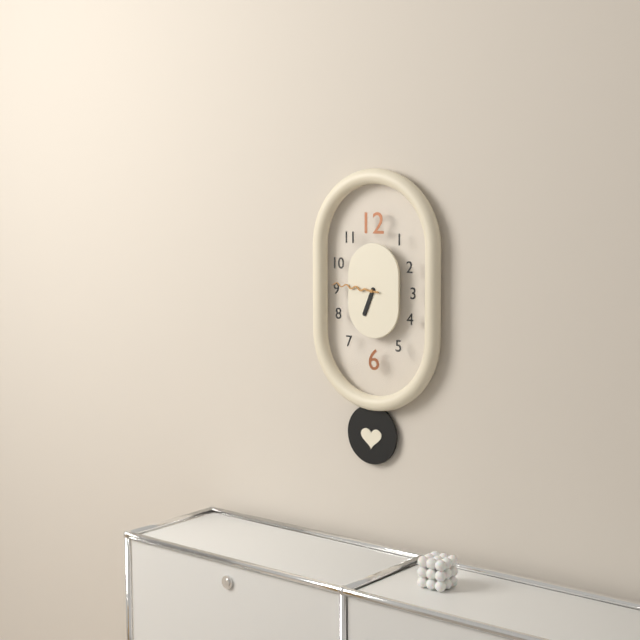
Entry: 6 h 46 min
